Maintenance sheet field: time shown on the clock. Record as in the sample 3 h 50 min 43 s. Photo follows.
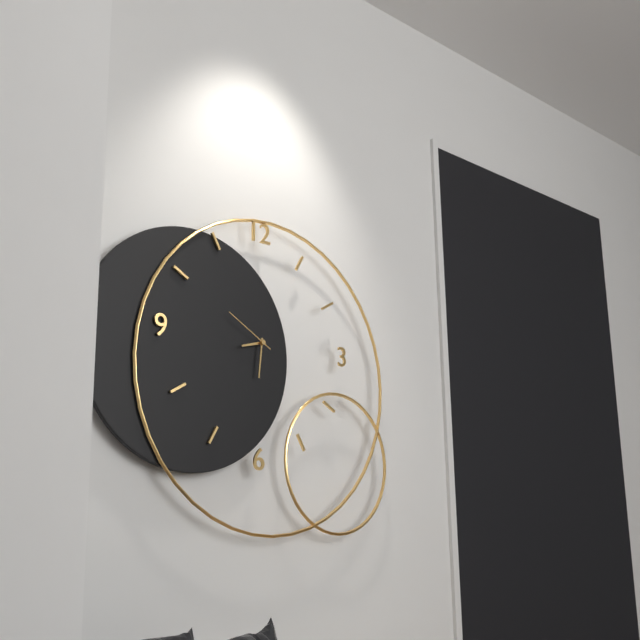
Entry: 8 h 31 min 50 s
